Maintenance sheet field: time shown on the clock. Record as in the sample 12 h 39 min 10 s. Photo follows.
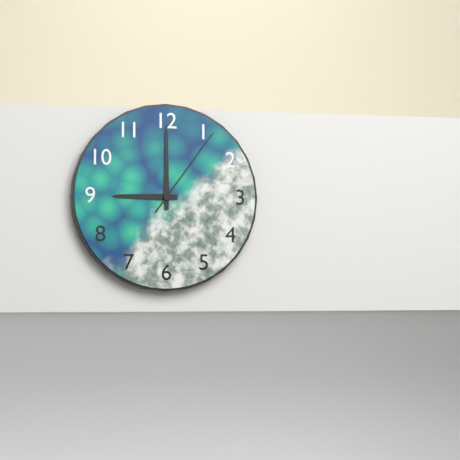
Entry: 9 h 00 min 06 s
